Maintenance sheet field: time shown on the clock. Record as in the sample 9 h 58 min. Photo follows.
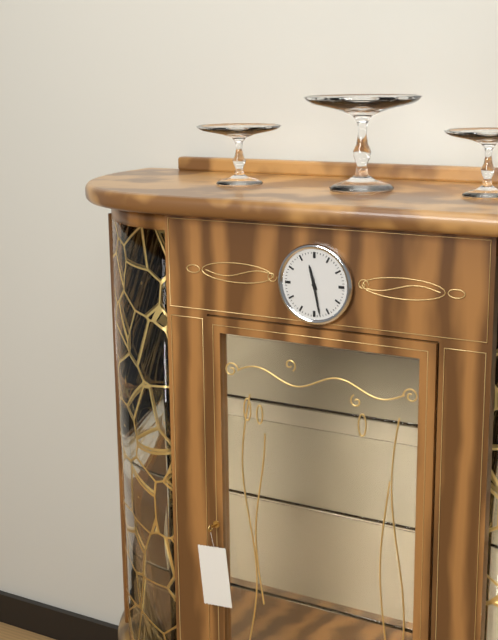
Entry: 11 h 28 min
